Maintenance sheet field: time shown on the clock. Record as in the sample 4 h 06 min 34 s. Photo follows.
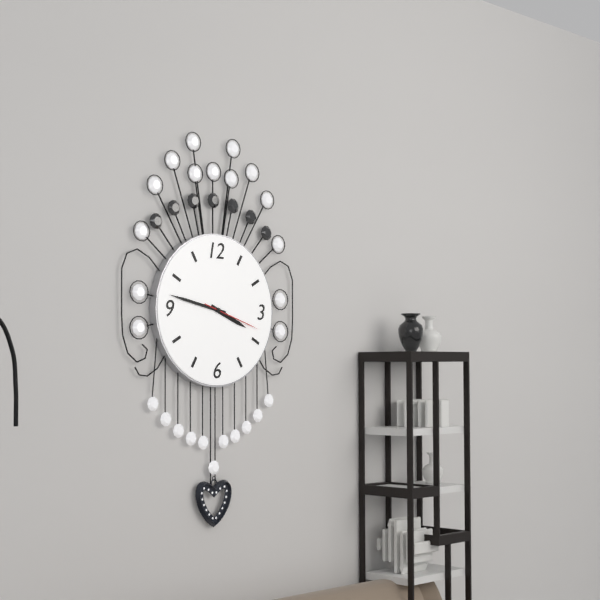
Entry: 3 h 47 min 18 s
